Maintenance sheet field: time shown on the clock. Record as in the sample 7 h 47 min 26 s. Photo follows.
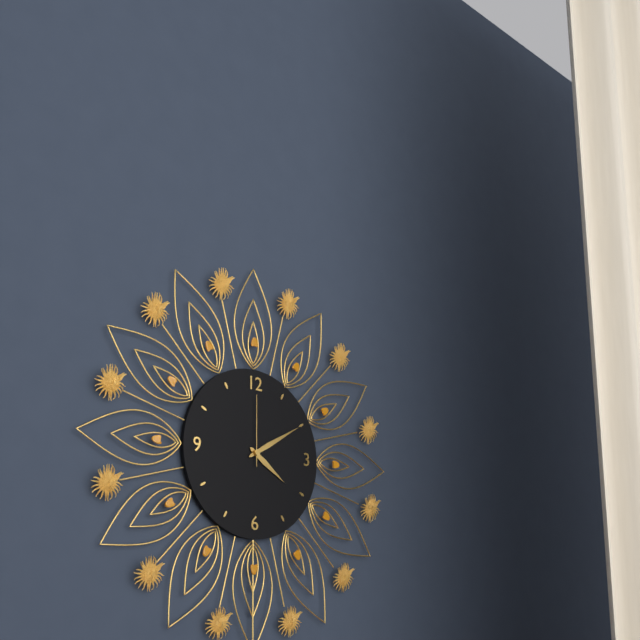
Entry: 4 h 10 min 00 s
